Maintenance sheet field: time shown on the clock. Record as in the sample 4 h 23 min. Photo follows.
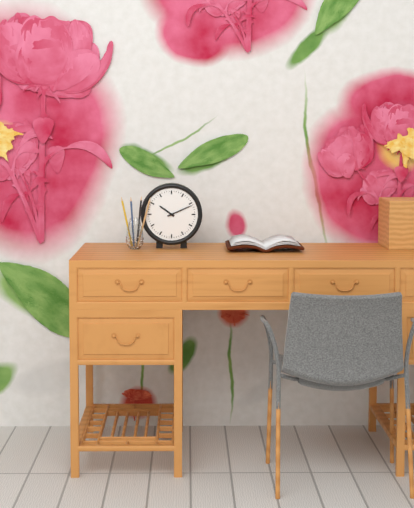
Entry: 10 h 11 min
